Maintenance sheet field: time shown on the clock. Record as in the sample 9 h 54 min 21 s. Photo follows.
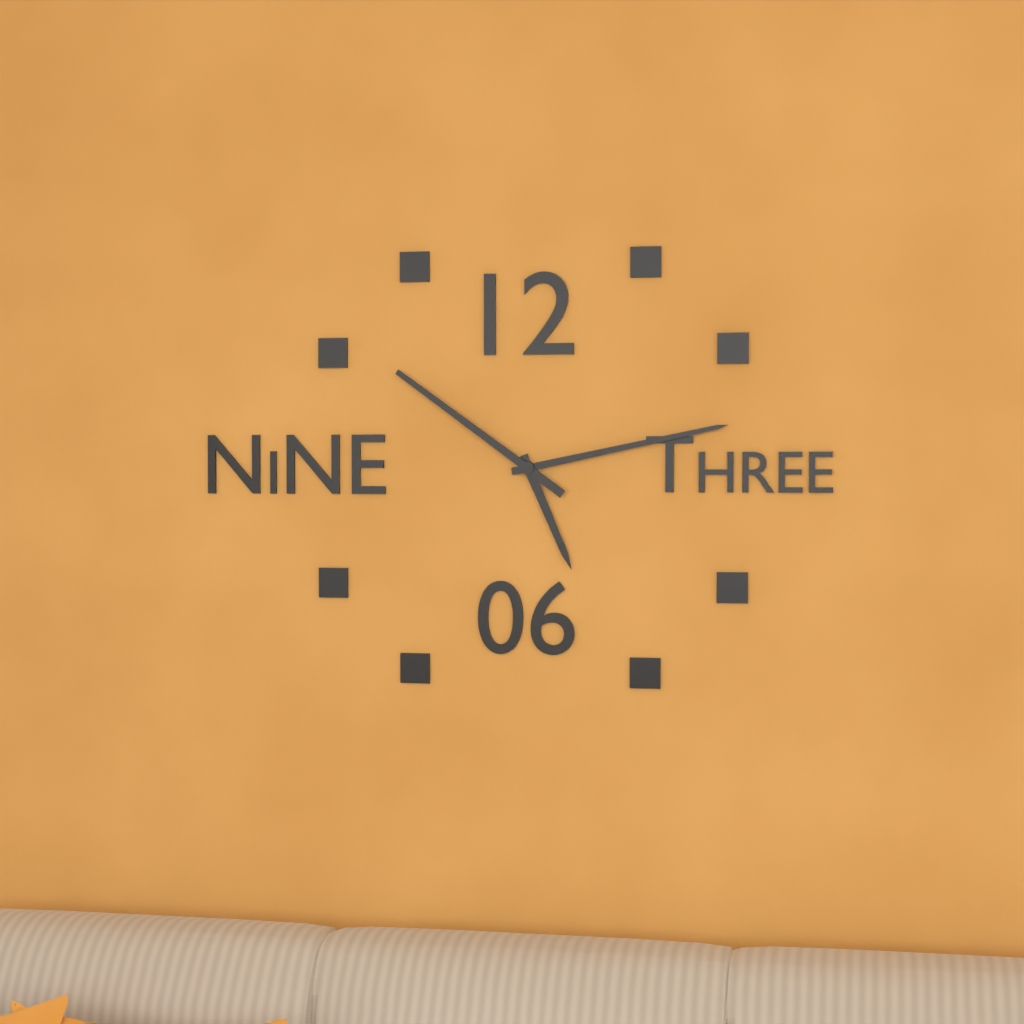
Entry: 5 h 13 min 51 s
